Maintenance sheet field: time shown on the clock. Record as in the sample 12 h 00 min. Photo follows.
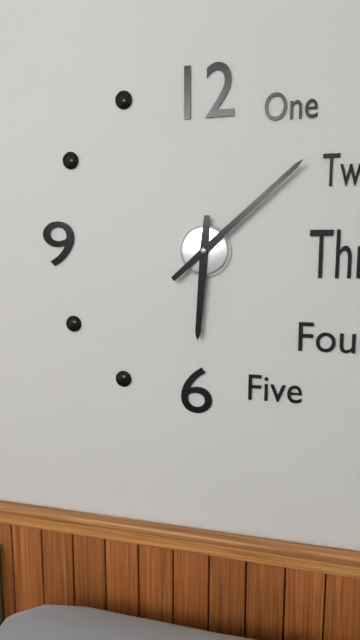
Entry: 6 h 08 min
